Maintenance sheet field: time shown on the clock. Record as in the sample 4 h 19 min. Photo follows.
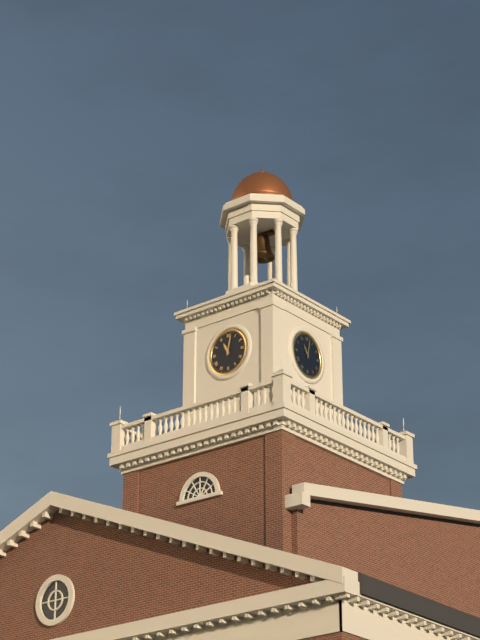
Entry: 11 h 02 min
